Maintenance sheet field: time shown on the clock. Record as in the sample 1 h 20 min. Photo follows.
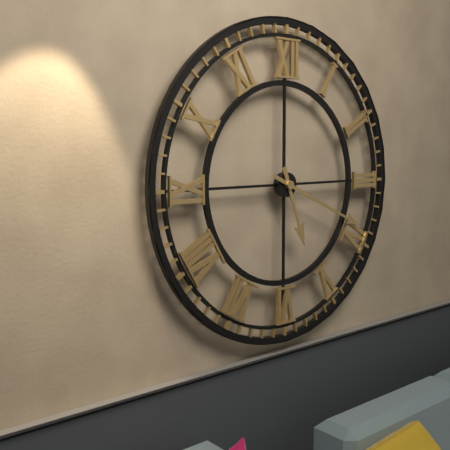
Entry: 5 h 19 min
